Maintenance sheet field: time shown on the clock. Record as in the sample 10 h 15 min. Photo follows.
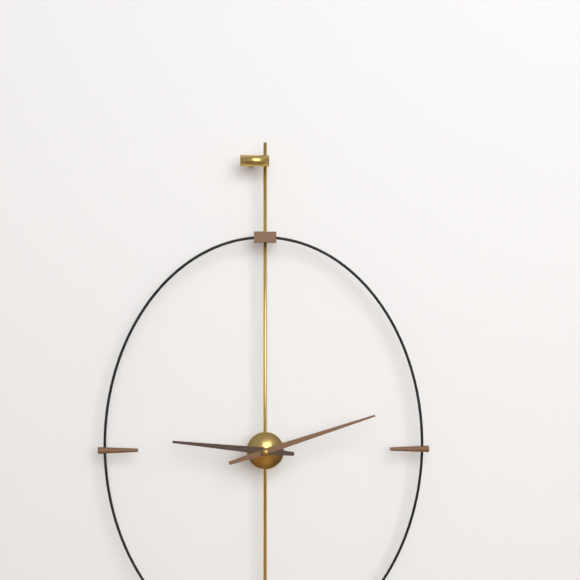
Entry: 9 h 12 min
